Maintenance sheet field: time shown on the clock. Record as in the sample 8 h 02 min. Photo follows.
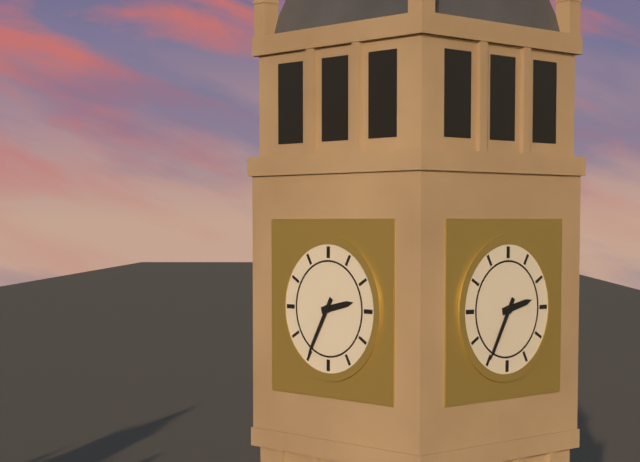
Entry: 2 h 35 min
